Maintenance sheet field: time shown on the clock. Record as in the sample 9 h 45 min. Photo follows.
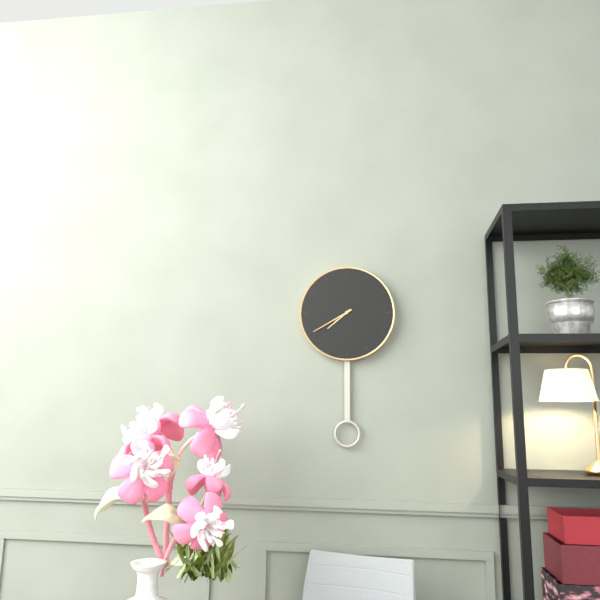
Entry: 7 h 40 min
